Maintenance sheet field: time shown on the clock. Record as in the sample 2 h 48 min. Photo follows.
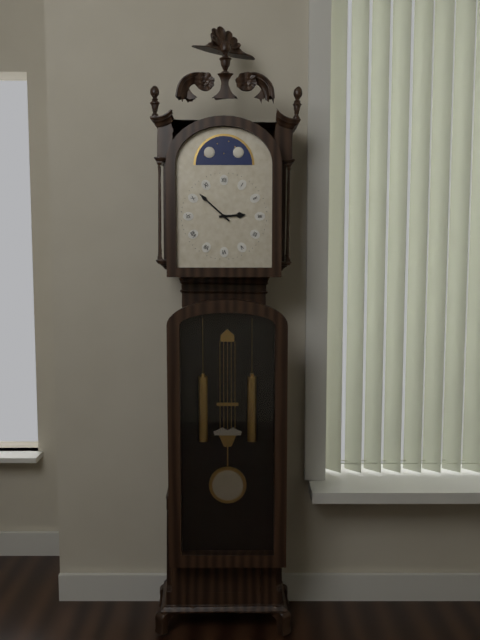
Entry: 2 h 52 min
